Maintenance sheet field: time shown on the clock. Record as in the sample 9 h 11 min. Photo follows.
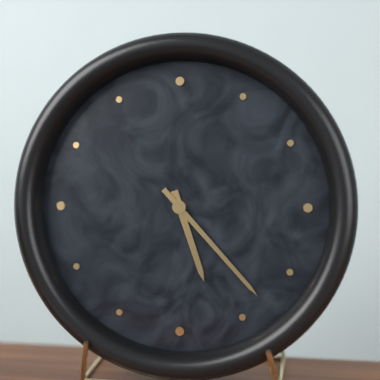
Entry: 5 h 23 min
